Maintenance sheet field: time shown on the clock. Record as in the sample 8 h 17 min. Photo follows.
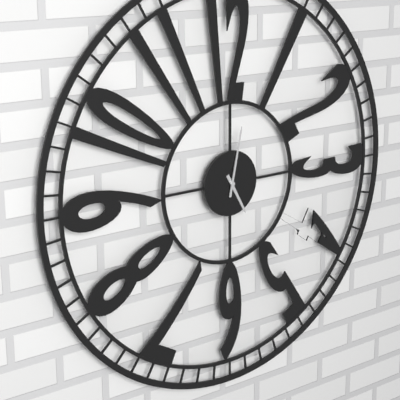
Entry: 5 h 02 min
